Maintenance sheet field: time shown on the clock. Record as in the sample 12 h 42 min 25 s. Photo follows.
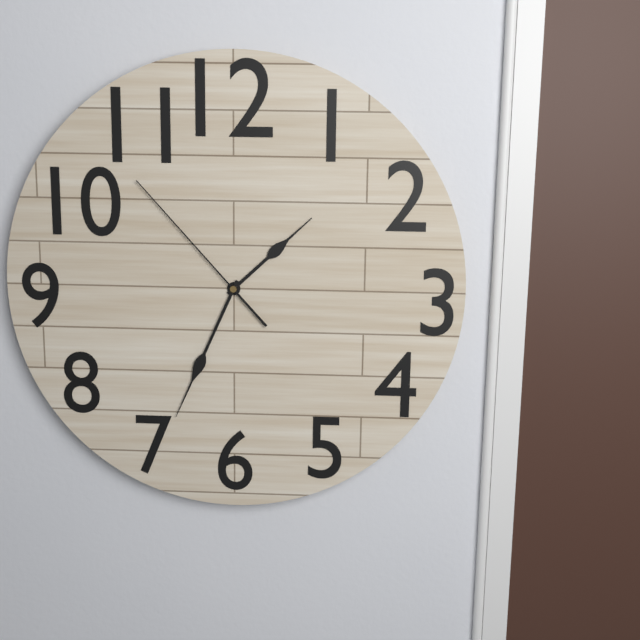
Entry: 1 h 34 min 53 s
